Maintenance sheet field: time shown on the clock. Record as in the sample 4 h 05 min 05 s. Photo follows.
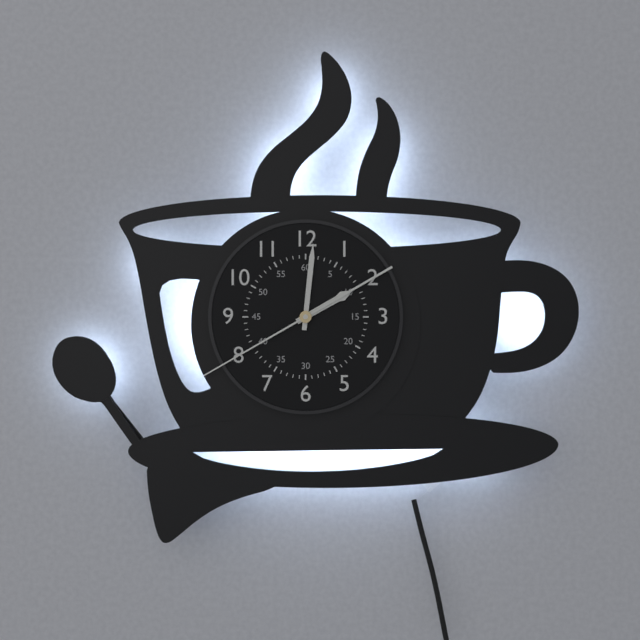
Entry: 2 h 01 min 40 s
